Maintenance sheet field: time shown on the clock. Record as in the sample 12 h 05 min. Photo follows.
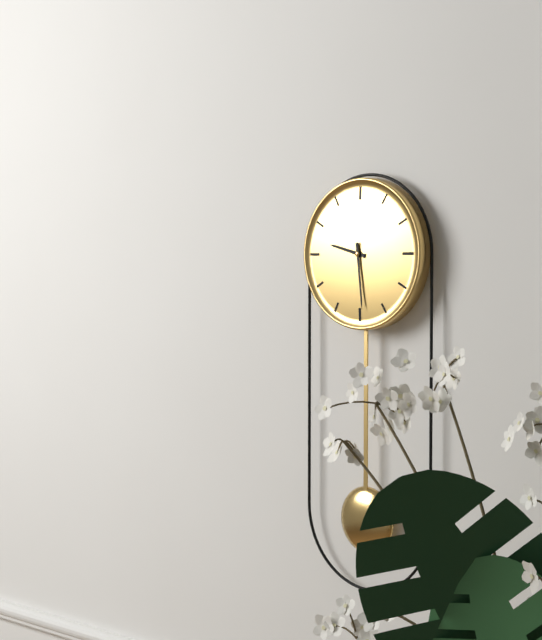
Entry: 9 h 29 min
